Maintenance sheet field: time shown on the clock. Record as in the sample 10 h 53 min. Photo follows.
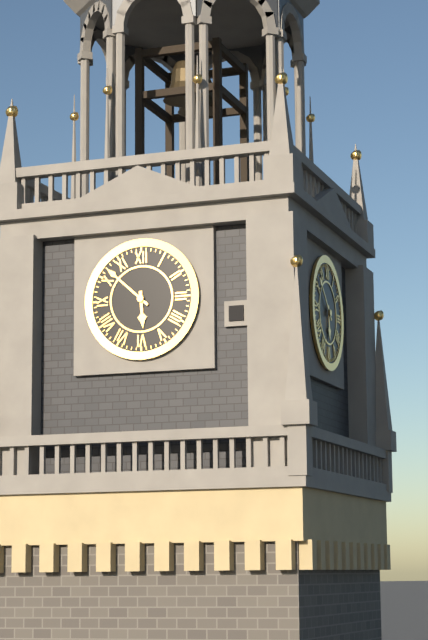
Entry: 5 h 52 min
